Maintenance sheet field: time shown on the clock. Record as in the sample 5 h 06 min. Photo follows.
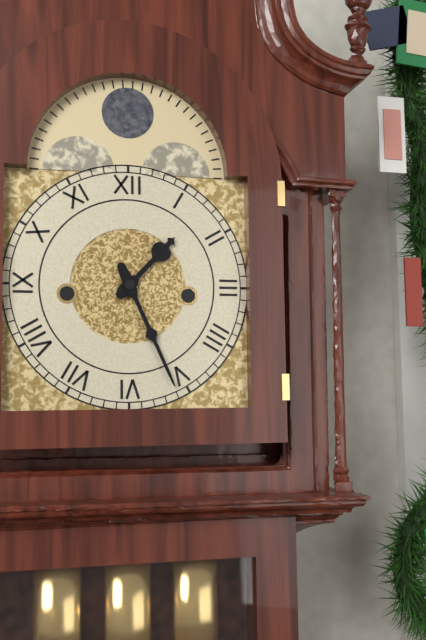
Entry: 1 h 26 min
